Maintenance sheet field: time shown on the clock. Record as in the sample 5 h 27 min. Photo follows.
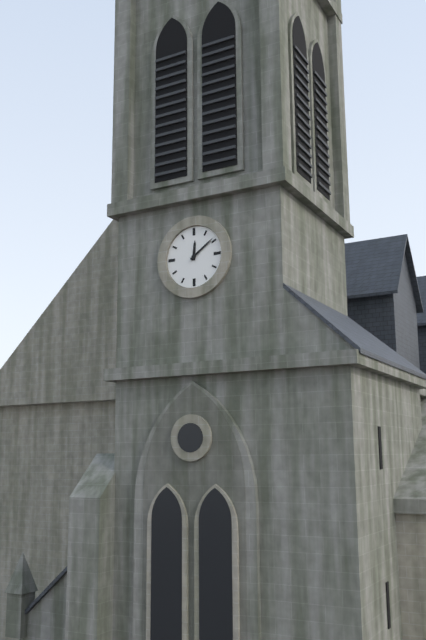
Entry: 12 h 09 min
